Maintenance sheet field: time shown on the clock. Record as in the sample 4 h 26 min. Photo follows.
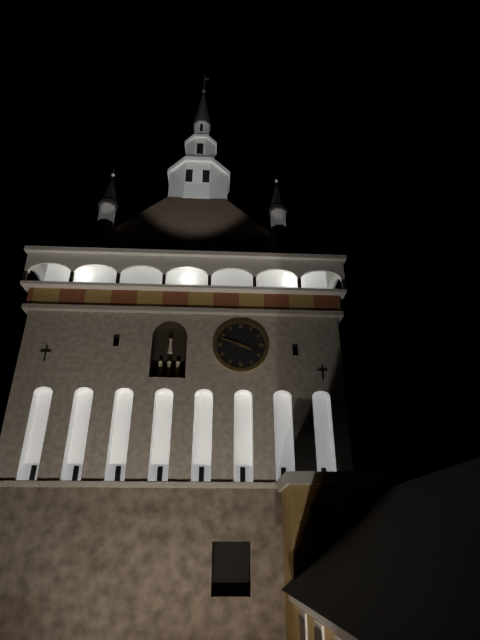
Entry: 3 h 48 min
